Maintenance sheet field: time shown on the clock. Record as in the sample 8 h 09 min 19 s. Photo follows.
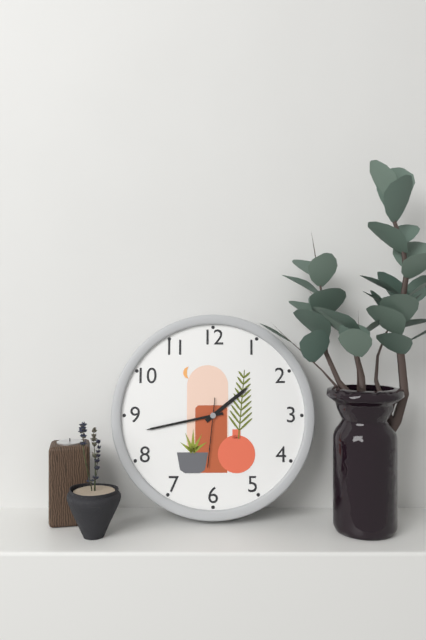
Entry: 1 h 43 min 31 s
